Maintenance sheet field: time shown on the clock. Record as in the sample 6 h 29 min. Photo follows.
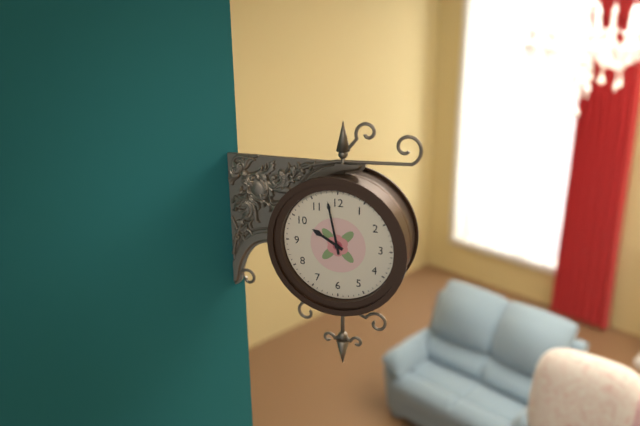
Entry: 9 h 58 min
